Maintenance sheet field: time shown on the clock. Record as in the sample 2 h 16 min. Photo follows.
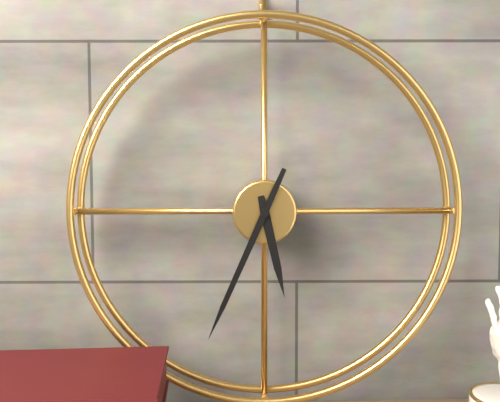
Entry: 5 h 34 min
